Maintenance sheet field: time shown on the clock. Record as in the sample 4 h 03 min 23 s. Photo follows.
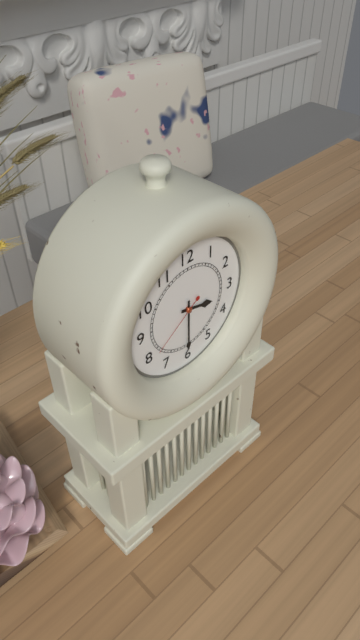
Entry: 3 h 30 min 39 s
